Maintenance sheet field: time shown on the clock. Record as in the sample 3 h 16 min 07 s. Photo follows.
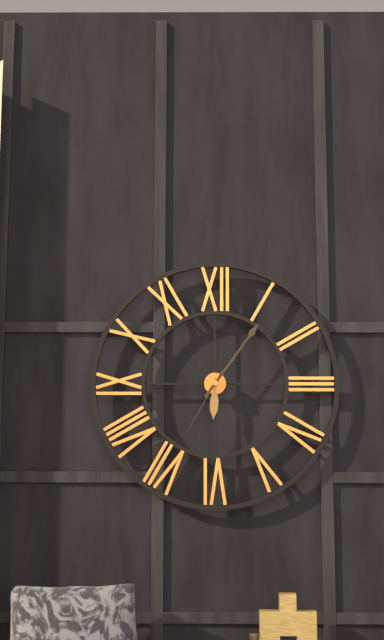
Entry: 6 h 06 min 35 s
